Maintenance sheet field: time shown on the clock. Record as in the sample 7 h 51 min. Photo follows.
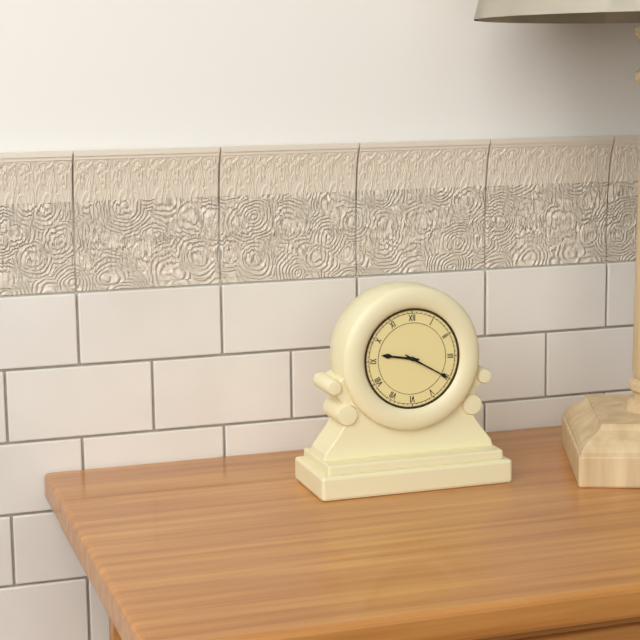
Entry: 9 h 20 min
